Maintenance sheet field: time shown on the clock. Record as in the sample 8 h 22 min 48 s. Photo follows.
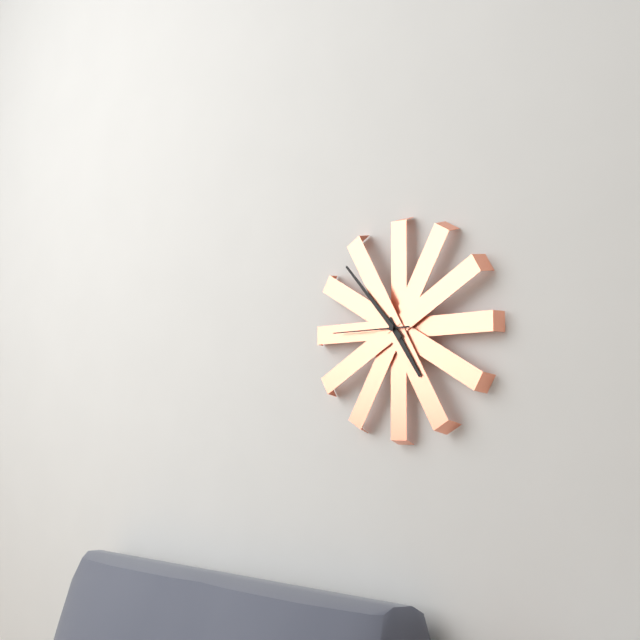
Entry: 4 h 53 min 45 s
